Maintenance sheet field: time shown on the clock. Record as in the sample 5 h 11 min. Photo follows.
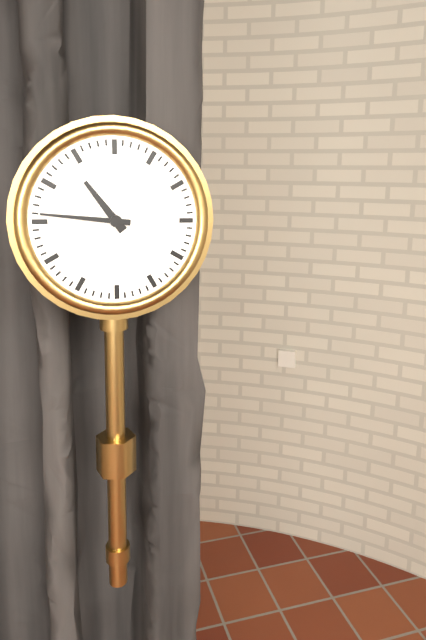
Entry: 10 h 46 min
